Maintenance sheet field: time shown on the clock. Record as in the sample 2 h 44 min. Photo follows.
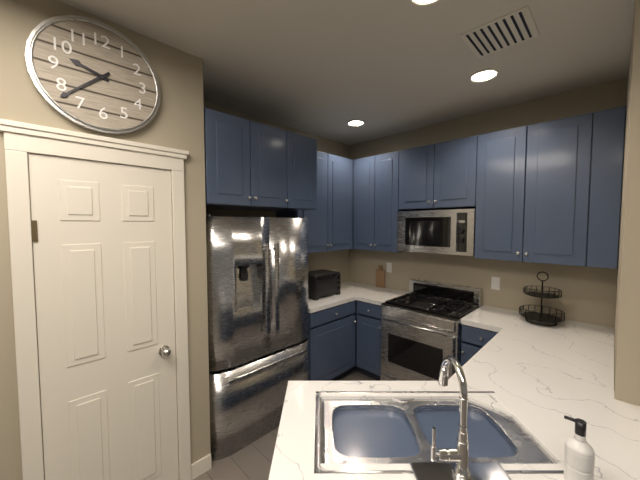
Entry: 9 h 38 min
